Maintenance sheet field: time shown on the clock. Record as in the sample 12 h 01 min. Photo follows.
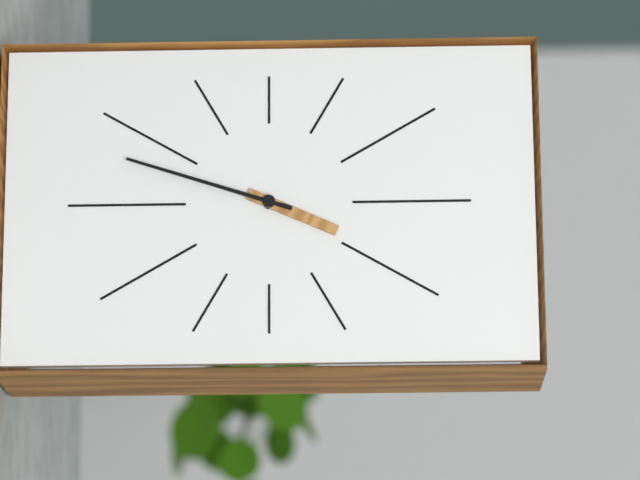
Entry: 3 h 48 min
